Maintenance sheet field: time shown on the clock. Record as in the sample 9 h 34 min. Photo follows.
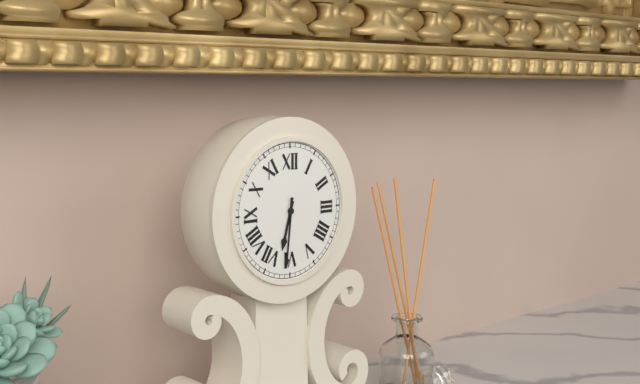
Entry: 6 h 31 min
